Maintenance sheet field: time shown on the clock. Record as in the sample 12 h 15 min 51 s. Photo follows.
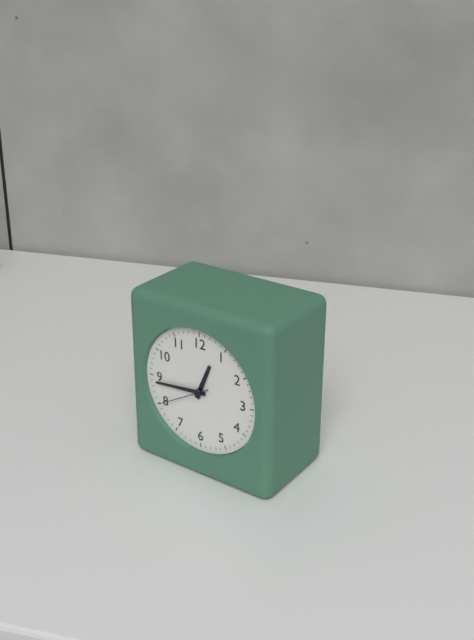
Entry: 12 h 44 min 40 s
